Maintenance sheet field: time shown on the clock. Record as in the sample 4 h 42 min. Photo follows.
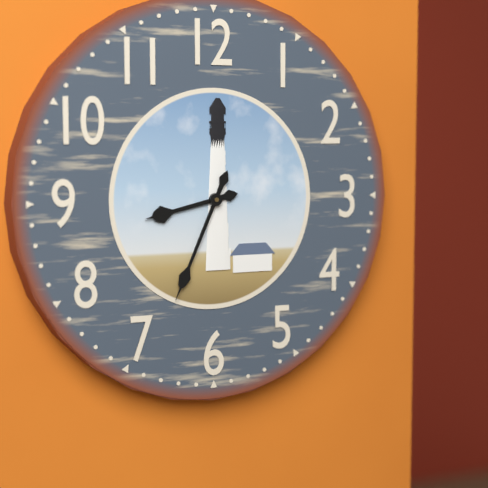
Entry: 8 h 34 min
